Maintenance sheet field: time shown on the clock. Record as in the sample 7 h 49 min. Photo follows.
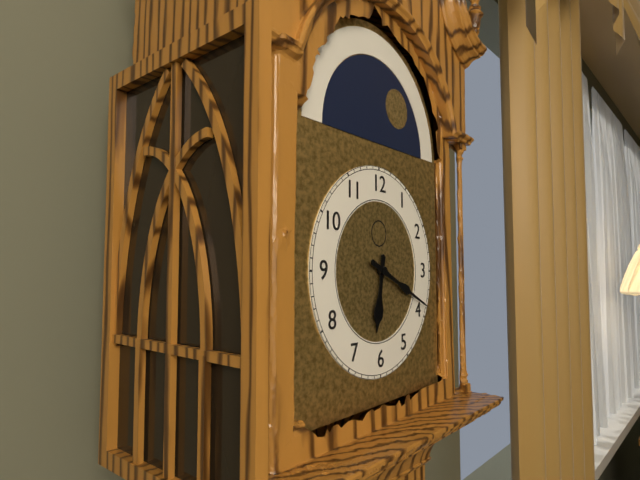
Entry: 6 h 19 min
